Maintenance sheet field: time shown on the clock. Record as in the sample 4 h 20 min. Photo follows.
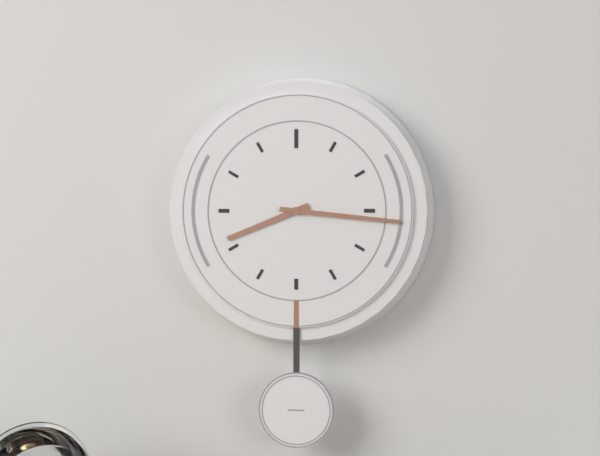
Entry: 8 h 16 min
